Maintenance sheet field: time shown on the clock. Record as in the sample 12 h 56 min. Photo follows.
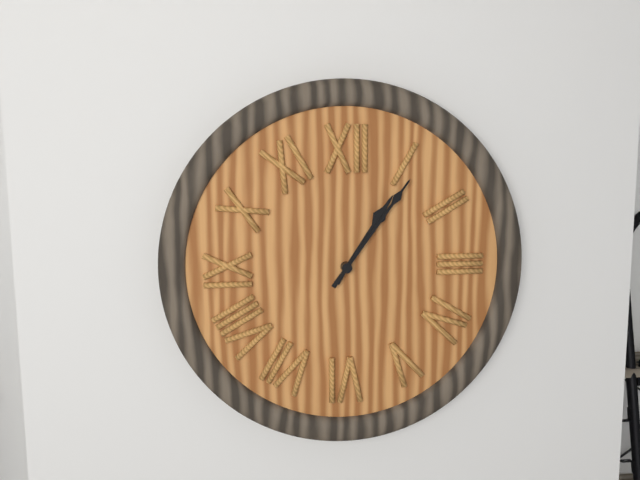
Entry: 1 h 06 min
